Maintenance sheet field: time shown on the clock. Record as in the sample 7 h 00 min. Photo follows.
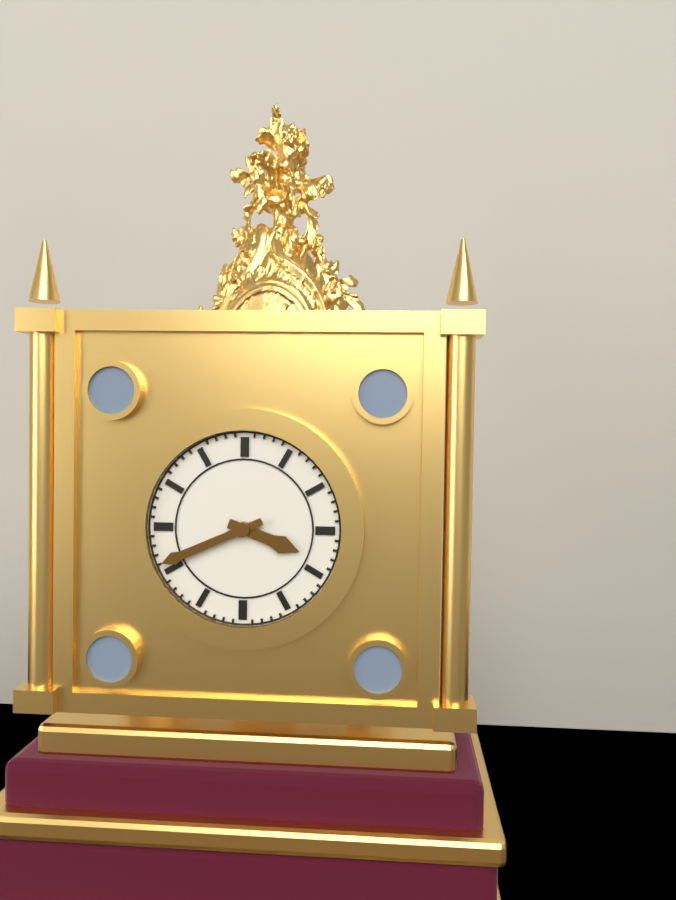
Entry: 3 h 41 min
